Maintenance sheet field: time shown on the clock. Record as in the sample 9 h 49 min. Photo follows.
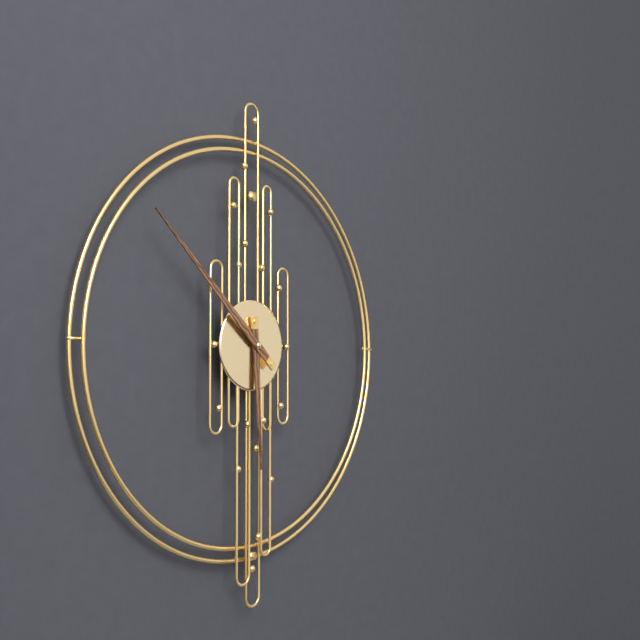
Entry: 5 h 52 min
